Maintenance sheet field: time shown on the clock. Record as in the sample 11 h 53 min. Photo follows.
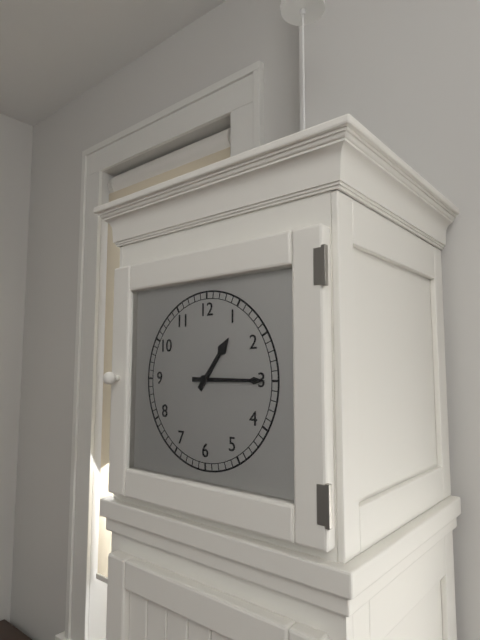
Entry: 1 h 15 min
